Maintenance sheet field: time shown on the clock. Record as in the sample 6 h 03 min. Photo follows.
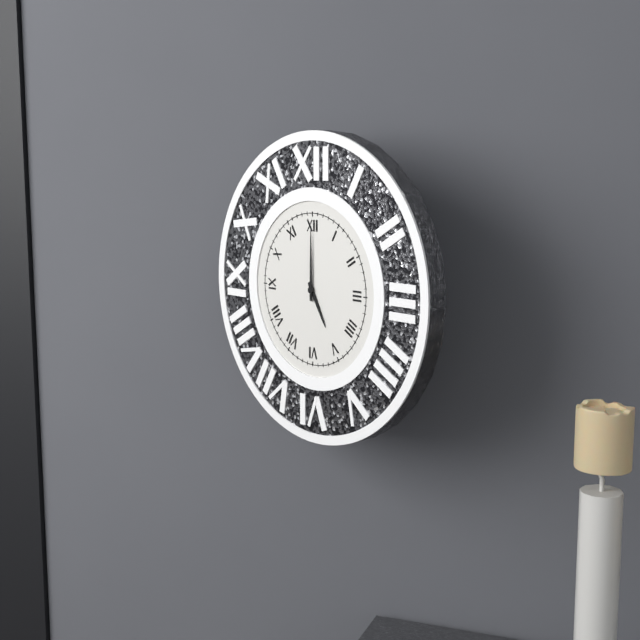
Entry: 5 h 00 min
